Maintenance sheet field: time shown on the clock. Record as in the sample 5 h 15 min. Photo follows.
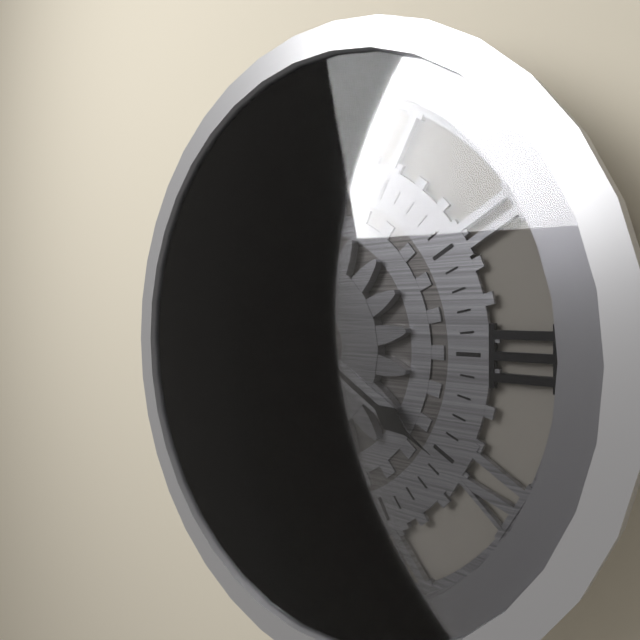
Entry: 4 h 02 min
